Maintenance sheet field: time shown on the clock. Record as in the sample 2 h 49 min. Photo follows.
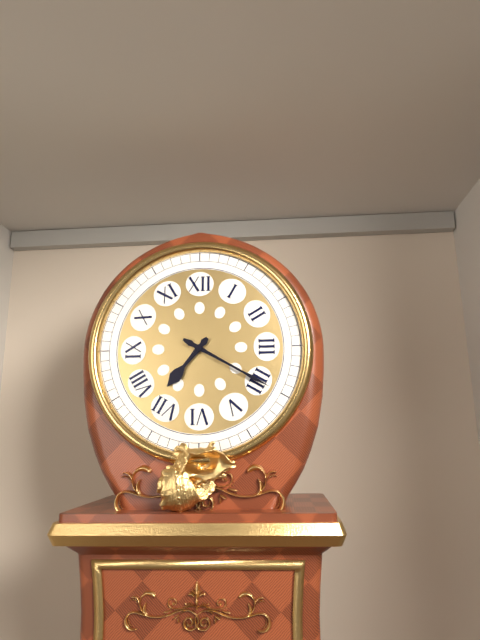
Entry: 7 h 20 min
